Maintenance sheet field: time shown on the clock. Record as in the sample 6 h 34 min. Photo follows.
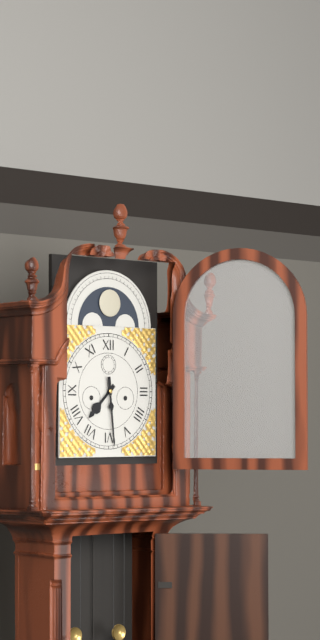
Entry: 7 h 29 min
